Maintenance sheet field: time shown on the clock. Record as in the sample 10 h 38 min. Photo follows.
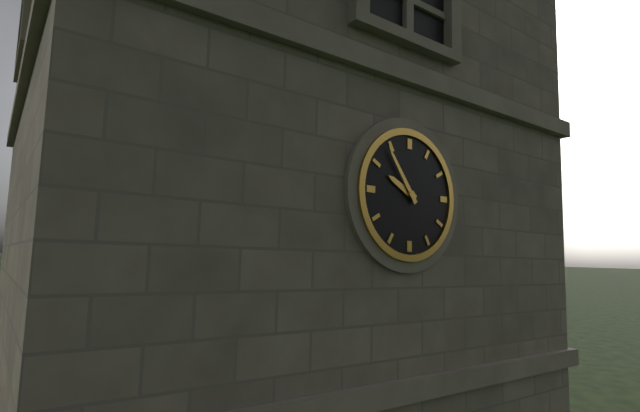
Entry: 9 h 54 min
